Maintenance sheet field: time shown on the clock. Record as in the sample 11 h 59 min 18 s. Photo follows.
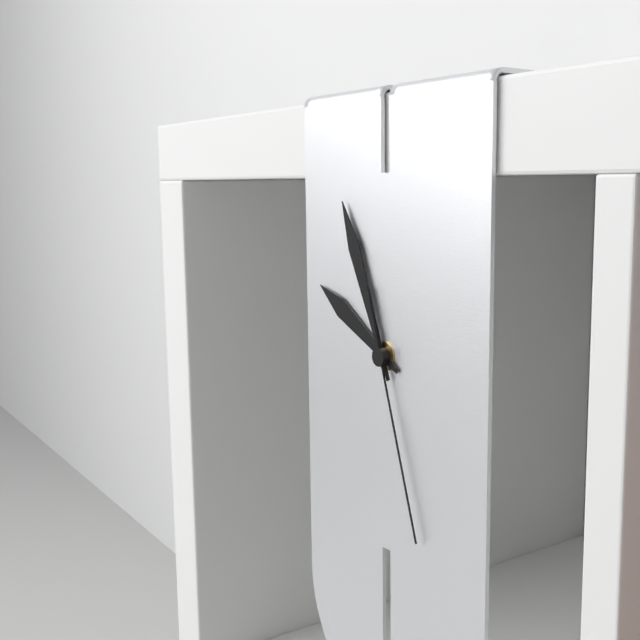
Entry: 9 h 56 min 27 s
